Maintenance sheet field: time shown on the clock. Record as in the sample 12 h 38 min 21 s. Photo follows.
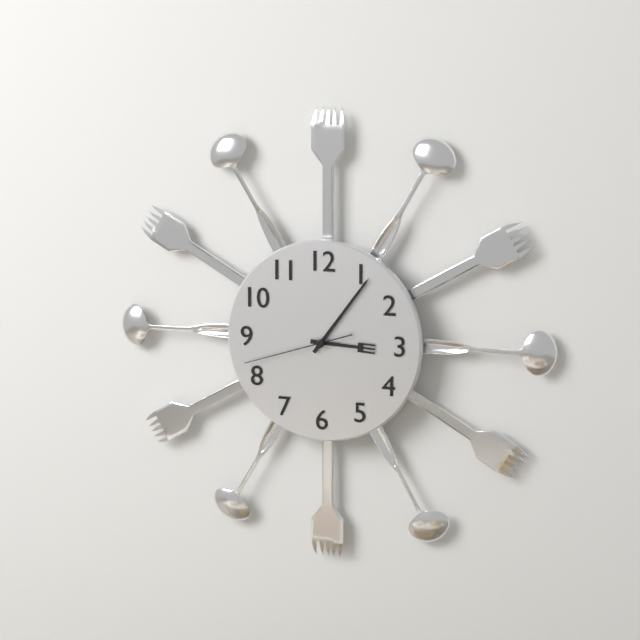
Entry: 3 h 06 min 42 s
